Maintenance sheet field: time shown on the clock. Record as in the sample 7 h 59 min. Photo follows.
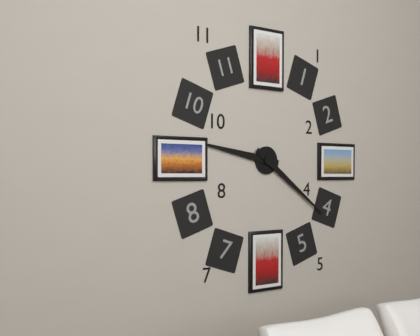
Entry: 9 h 21 min
